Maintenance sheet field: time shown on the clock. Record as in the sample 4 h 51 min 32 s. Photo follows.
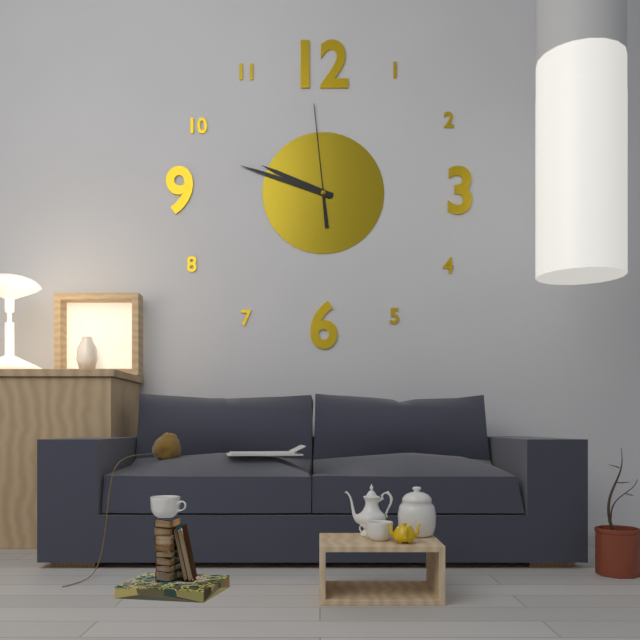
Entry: 9 h 48 min 59 s
